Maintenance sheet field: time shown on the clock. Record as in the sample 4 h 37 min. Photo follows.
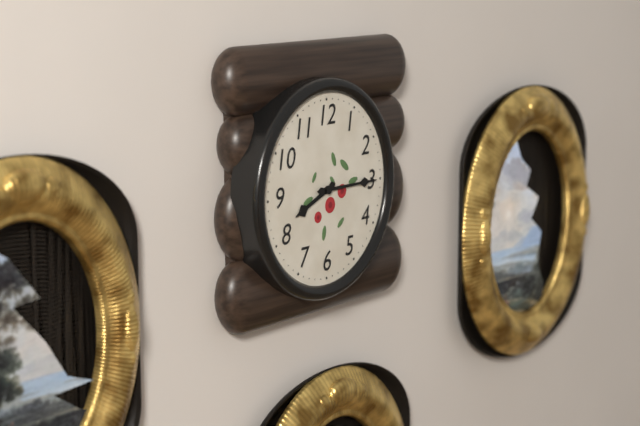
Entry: 8 h 15 min
